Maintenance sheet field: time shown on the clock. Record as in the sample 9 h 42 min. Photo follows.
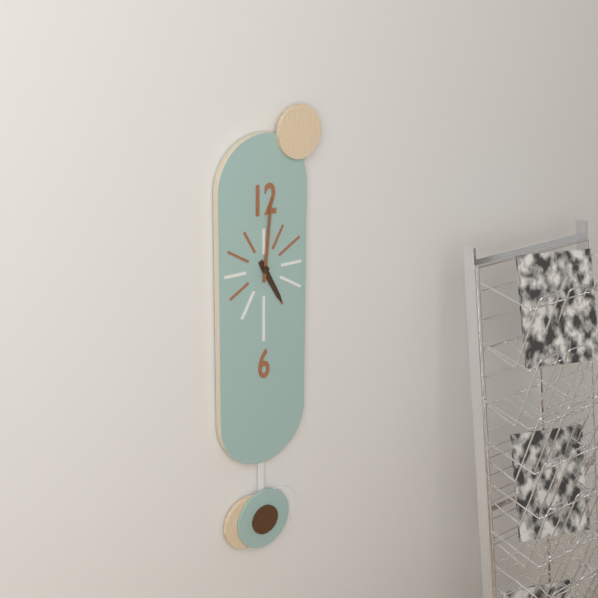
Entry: 5 h 01 min
